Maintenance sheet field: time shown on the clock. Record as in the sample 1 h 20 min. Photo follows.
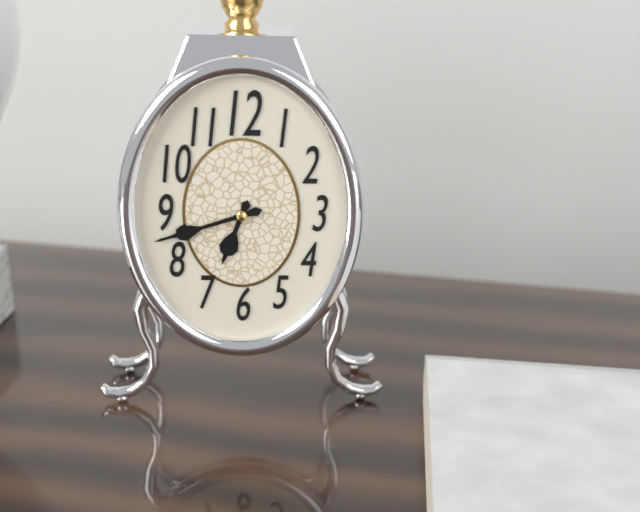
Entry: 6 h 42 min
